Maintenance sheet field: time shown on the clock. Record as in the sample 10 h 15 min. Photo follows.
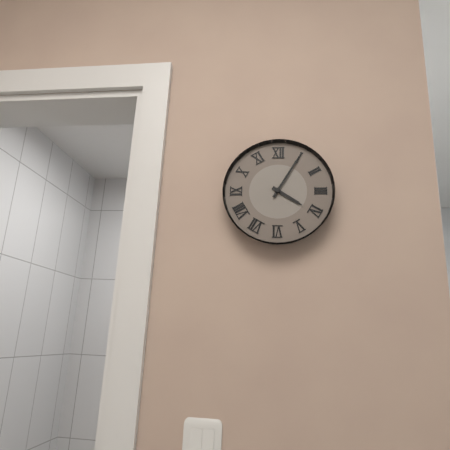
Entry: 4 h 05 min
